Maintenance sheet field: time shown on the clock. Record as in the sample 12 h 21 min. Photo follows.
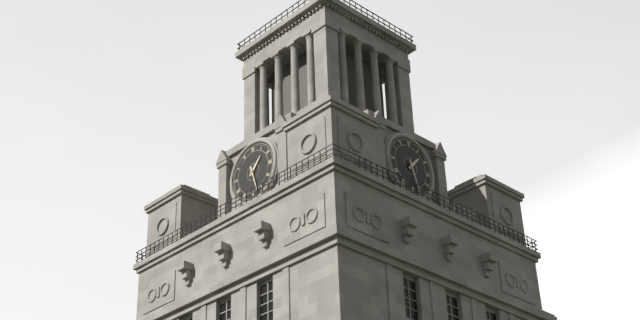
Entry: 1 h 27 min
